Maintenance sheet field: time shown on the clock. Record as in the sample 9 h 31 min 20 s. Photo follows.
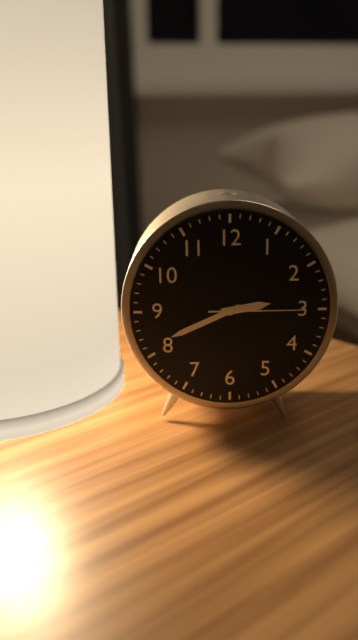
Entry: 2 h 41 min 15 s
